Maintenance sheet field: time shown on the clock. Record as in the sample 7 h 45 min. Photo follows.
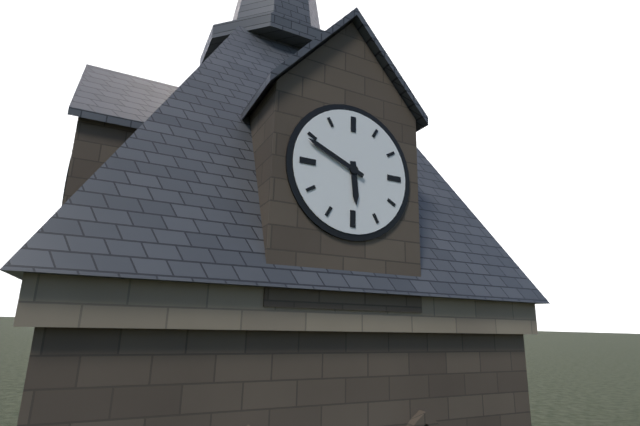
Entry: 5 h 49 min
